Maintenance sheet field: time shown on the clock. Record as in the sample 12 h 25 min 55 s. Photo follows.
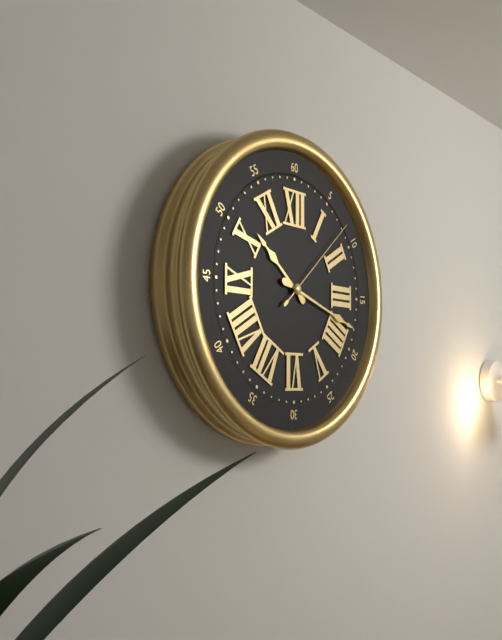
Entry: 10 h 18 min 08 s
